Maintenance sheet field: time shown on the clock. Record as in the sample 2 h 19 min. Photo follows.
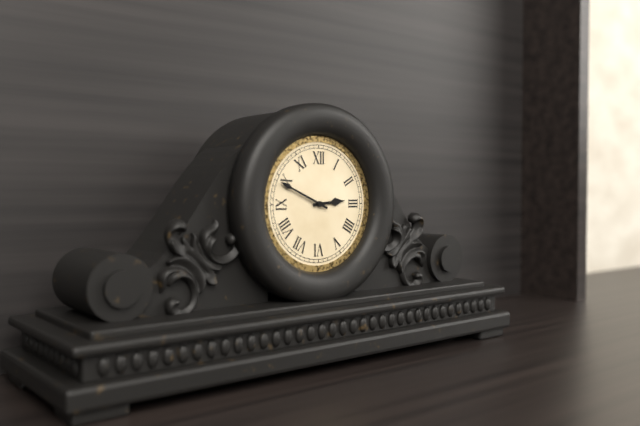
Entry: 2 h 49 min
